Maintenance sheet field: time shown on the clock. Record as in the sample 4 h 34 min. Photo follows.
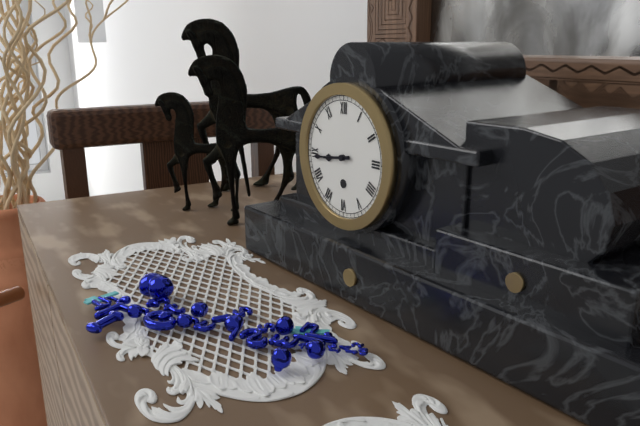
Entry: 8 h 44 min
